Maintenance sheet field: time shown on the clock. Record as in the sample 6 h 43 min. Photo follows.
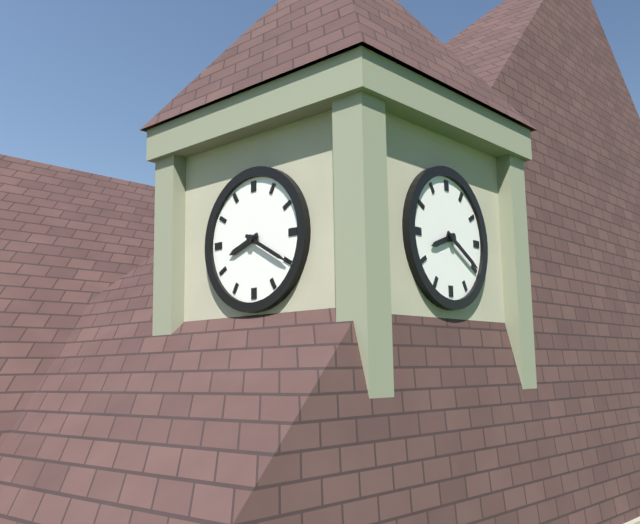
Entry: 8 h 20 min
